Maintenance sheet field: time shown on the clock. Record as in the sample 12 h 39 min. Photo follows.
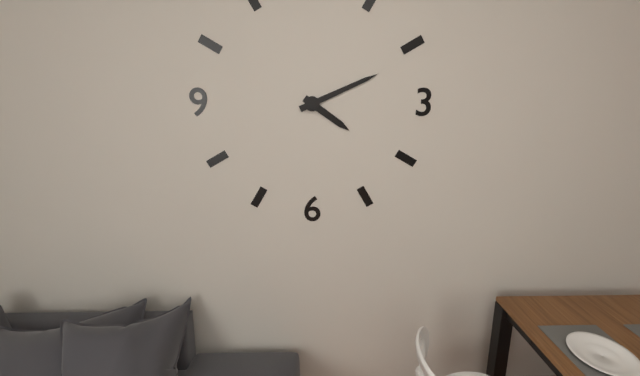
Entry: 4 h 11 min
